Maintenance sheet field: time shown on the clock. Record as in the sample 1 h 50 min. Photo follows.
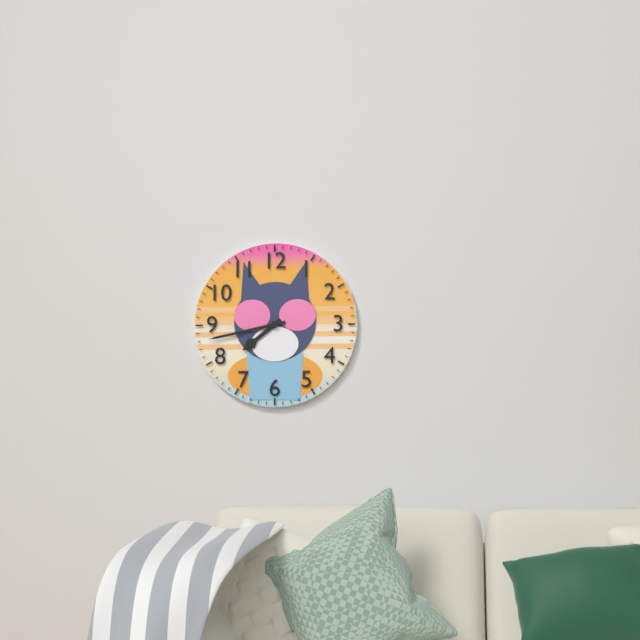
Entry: 7 h 43 min
